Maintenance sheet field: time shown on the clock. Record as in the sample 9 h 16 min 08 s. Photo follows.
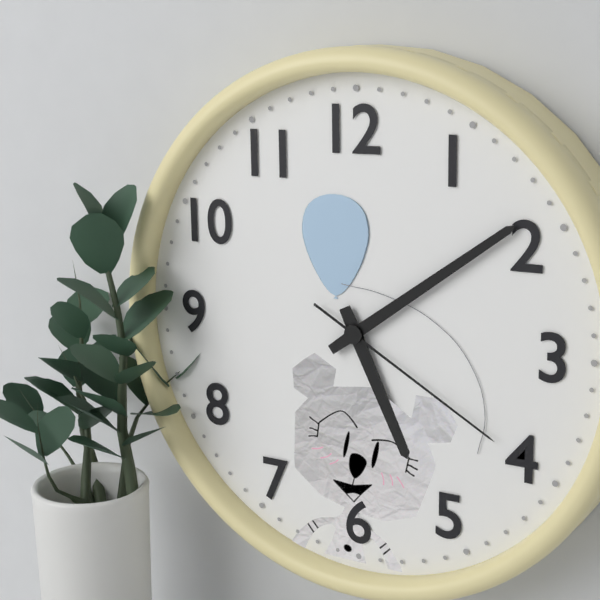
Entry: 5 h 09 min 20 s
